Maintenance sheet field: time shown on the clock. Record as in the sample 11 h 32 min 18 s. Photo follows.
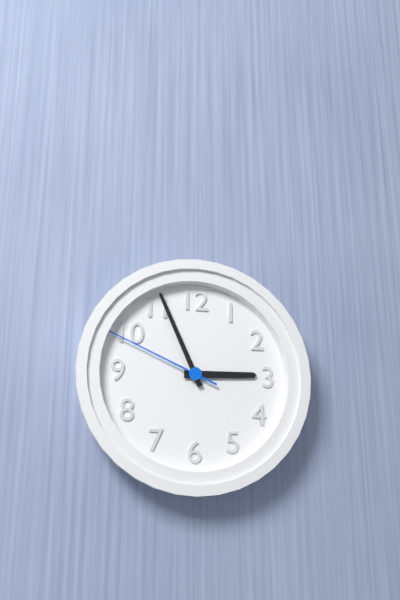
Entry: 2 h 56 min 49 s
